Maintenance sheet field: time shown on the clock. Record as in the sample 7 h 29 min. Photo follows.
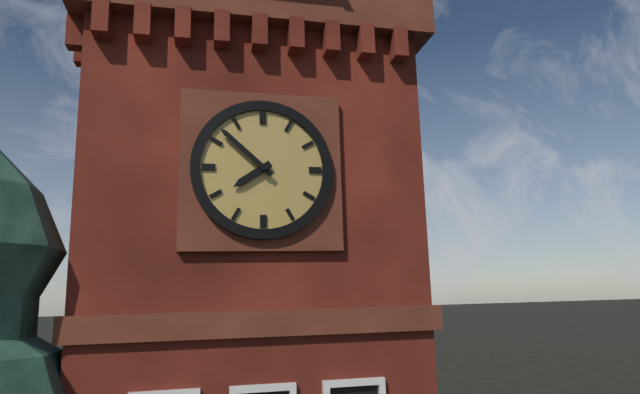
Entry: 7 h 52 min
